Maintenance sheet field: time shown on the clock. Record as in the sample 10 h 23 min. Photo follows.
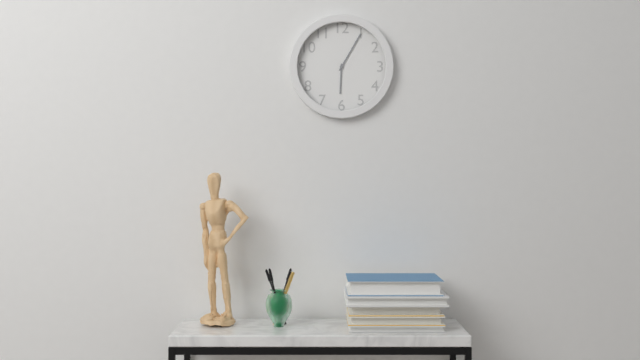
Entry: 6 h 05 min
